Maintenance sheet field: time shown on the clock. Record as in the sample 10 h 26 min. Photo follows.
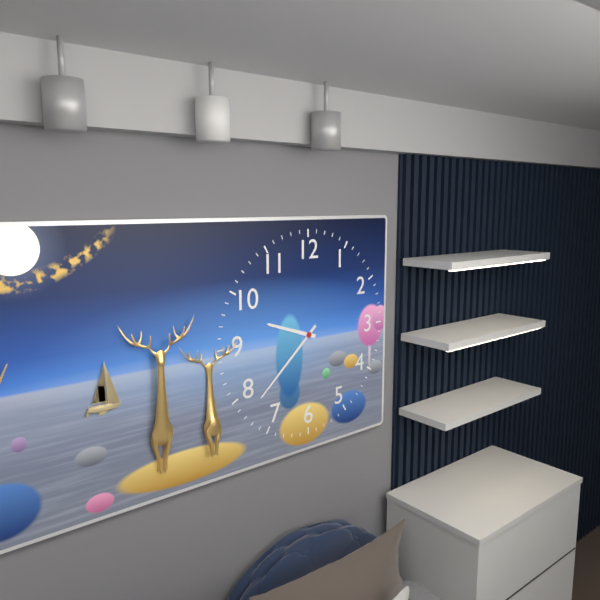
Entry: 9 h 38 min
